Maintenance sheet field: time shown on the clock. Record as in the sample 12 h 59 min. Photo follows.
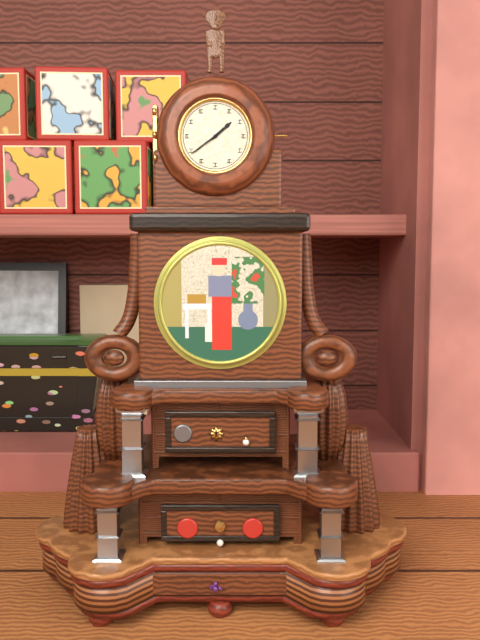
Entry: 1 h 39 min
